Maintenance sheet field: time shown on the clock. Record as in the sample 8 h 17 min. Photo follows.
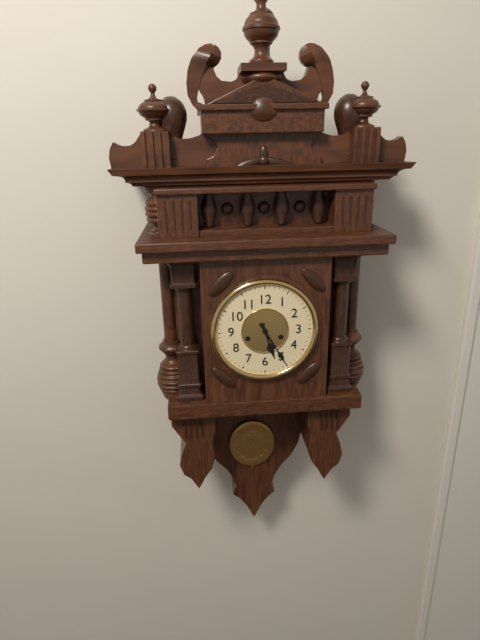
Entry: 5 h 25 min
